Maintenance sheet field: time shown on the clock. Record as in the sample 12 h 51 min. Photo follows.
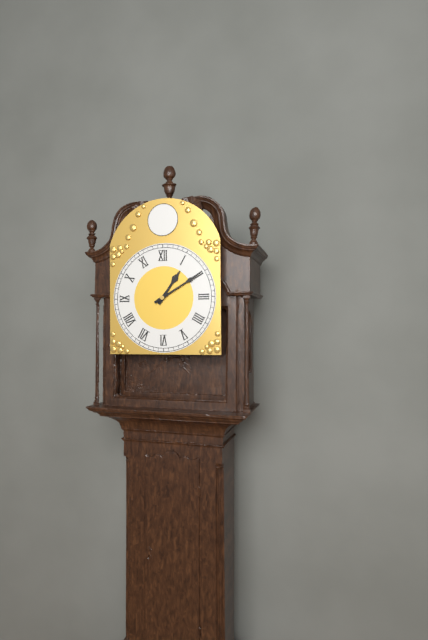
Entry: 1 h 10 min
